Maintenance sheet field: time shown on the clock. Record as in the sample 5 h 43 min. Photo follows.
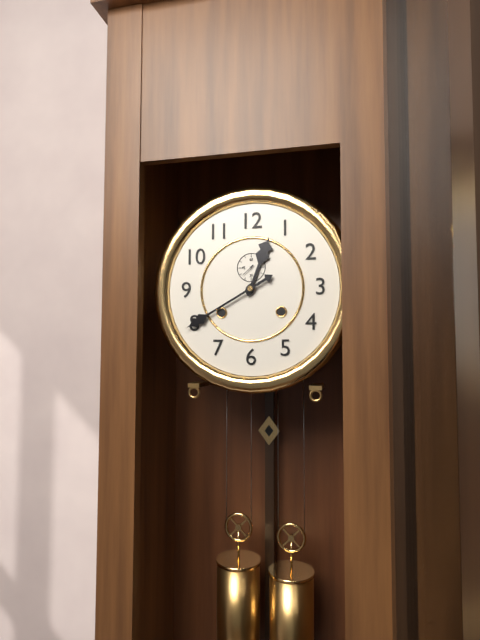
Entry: 12 h 40 min
